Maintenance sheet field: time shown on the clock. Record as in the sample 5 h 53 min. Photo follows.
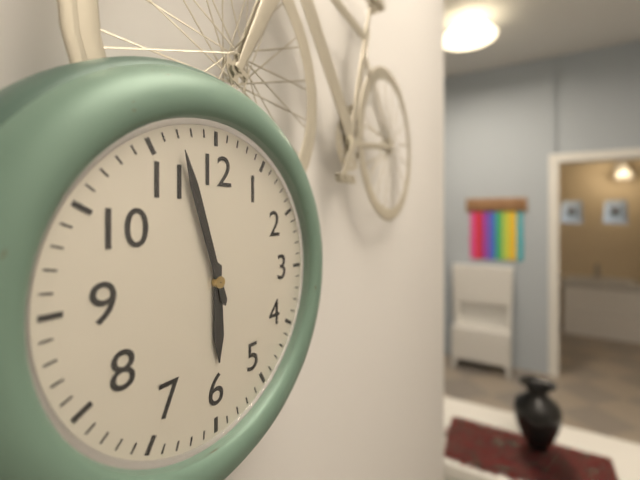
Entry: 5 h 57 min
